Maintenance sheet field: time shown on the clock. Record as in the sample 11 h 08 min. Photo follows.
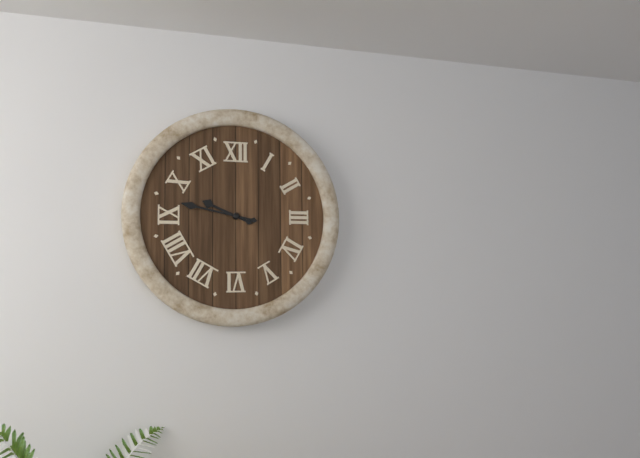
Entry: 9 h 47 min
